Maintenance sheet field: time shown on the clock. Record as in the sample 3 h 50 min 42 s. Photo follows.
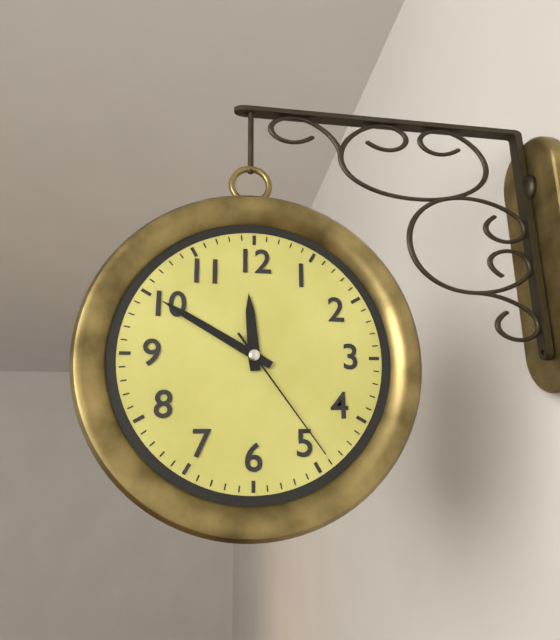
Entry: 11 h 50 min 24 s
